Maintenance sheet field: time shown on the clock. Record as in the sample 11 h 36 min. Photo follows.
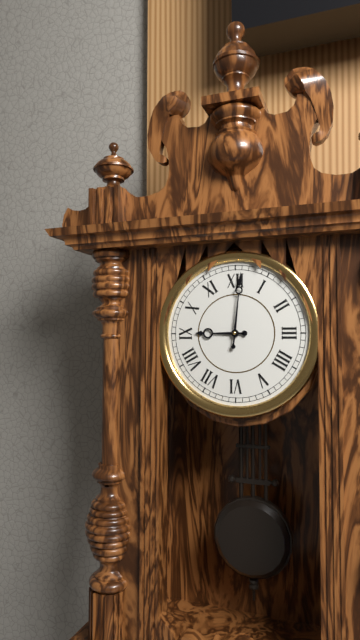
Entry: 9 h 01 min
